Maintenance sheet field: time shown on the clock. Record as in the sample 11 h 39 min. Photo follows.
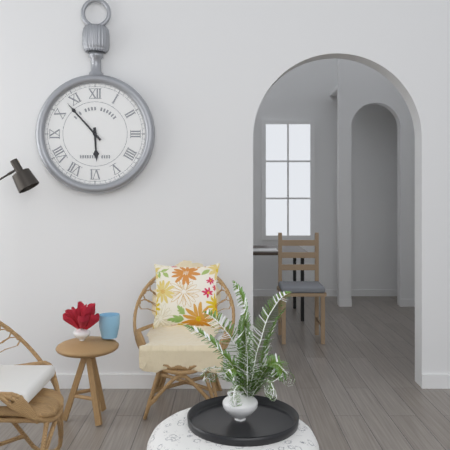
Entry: 5 h 53 min
